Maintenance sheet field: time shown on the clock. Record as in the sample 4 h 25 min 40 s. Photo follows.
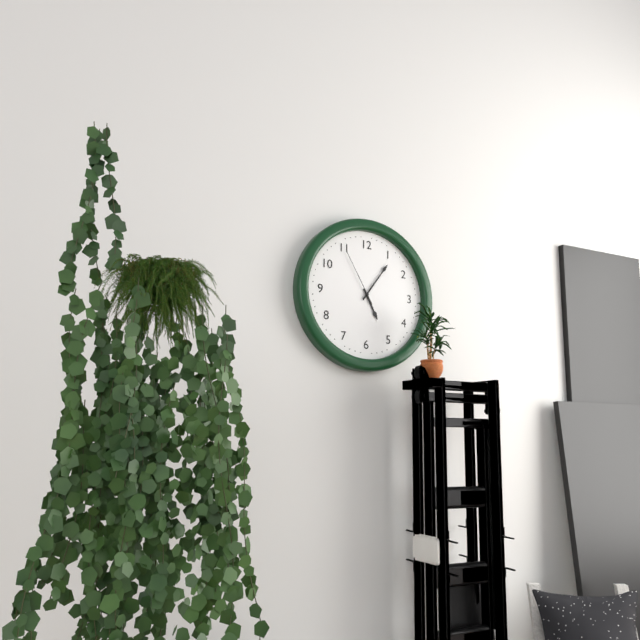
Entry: 5 h 06 min 55 s
